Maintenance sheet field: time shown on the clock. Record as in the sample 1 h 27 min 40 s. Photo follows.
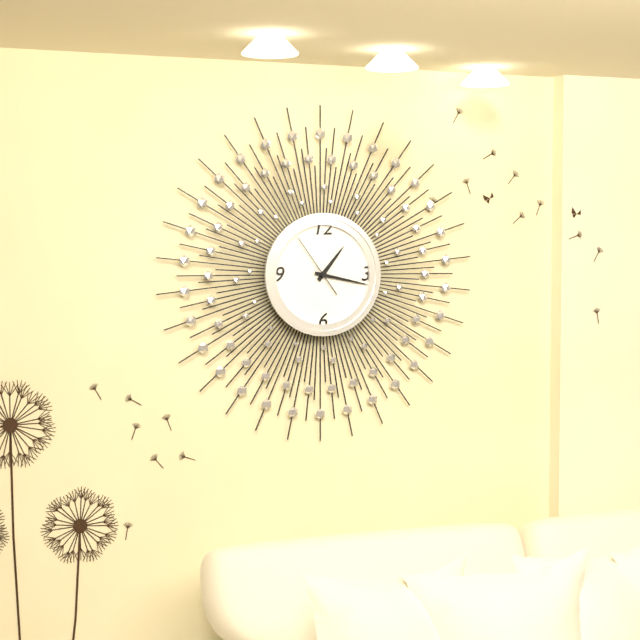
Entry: 1 h 17 min 54 s
